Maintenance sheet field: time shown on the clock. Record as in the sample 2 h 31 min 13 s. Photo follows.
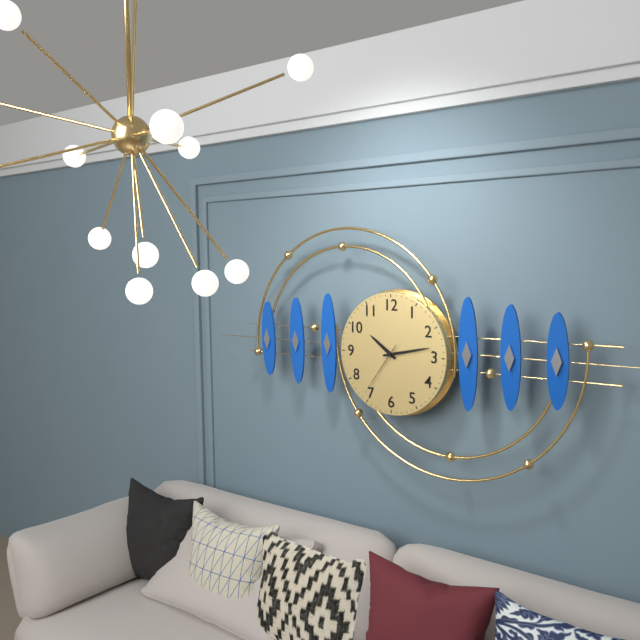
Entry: 10 h 13 min 36 s
